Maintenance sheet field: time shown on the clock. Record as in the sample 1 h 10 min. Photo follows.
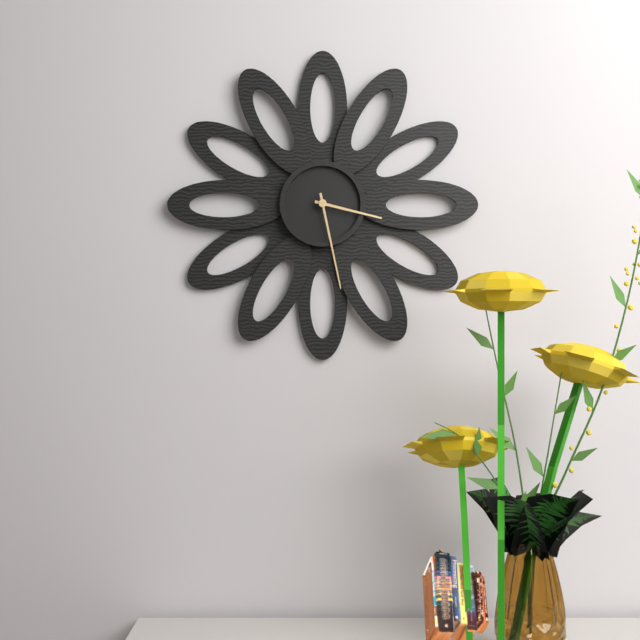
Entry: 3 h 28 min
